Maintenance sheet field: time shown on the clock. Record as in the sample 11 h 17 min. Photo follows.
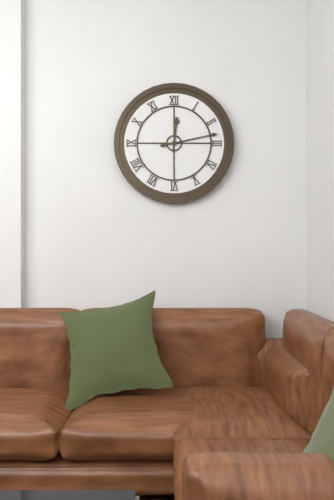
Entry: 12 h 13 min
